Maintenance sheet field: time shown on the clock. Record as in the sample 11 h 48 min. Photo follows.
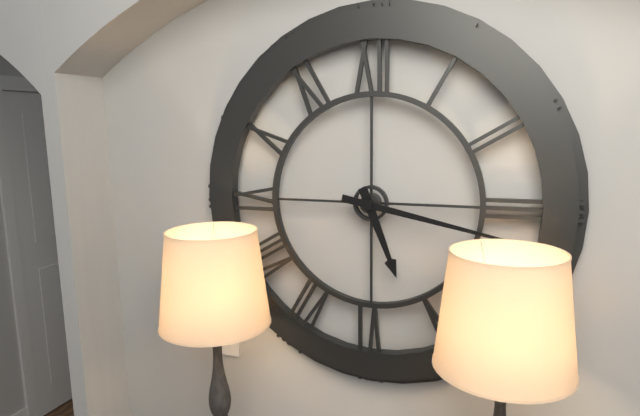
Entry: 5 h 17 min
